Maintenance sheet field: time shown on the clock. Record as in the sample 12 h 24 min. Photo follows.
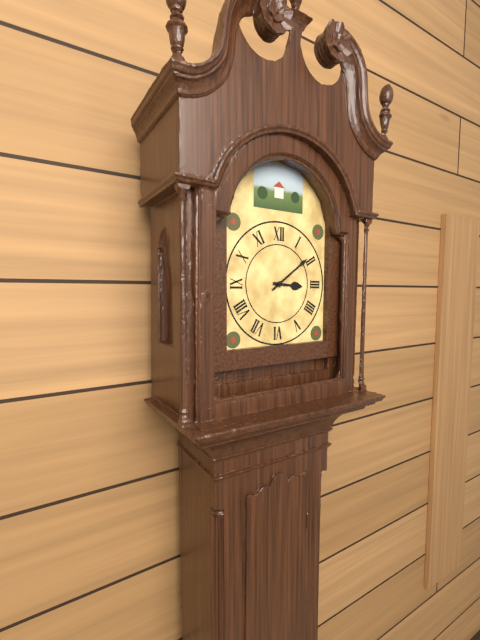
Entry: 3 h 09 min
